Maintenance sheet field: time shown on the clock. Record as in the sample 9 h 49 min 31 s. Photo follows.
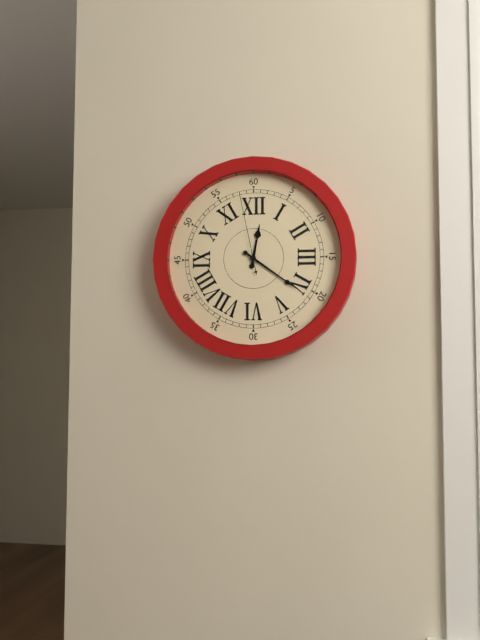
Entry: 12 h 21 min 58 s
